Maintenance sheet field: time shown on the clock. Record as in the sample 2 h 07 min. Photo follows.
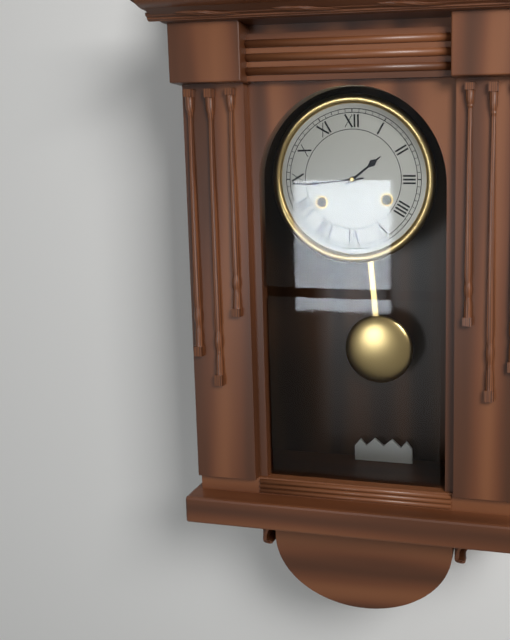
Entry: 1 h 44 min
